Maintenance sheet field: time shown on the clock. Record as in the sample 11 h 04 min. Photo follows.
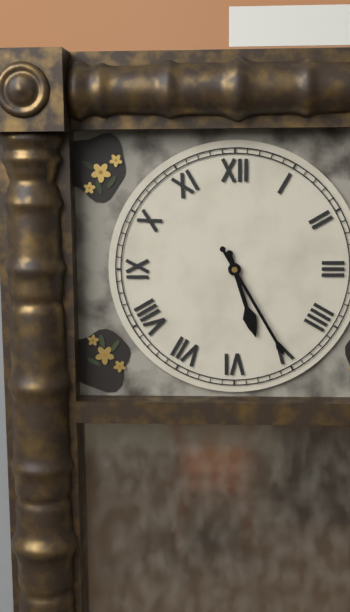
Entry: 5 h 25 min
